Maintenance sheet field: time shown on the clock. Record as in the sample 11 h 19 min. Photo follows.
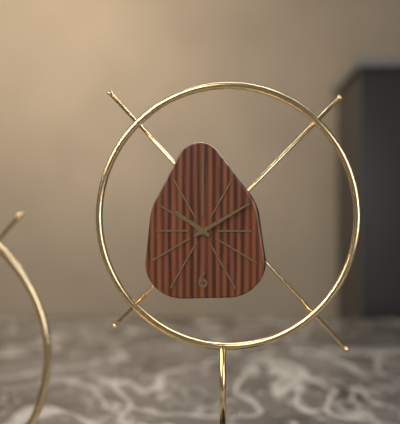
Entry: 10 h 10 min
